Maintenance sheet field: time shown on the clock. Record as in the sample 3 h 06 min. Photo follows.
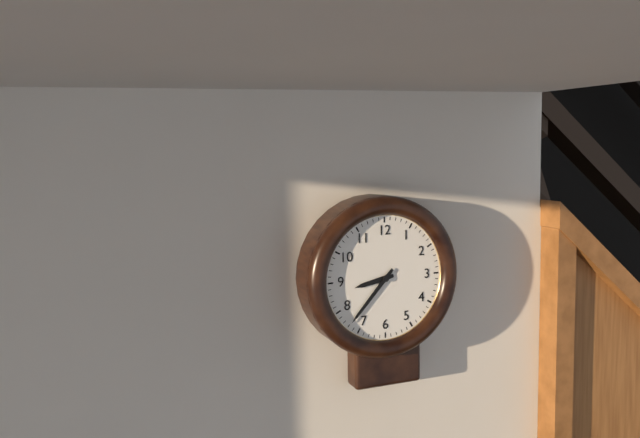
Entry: 8 h 37 min
